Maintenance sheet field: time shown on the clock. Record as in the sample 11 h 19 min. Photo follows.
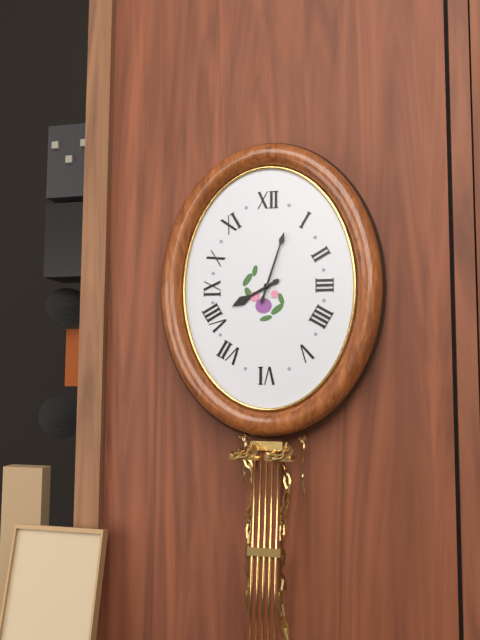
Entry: 8 h 03 min
